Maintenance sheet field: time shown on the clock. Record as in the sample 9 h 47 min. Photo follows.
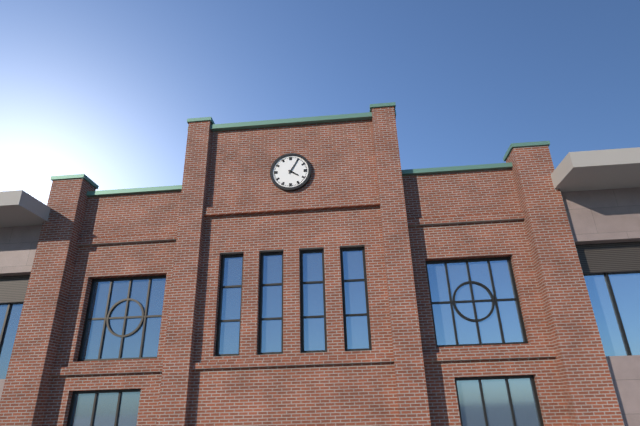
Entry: 4 h 05 min
